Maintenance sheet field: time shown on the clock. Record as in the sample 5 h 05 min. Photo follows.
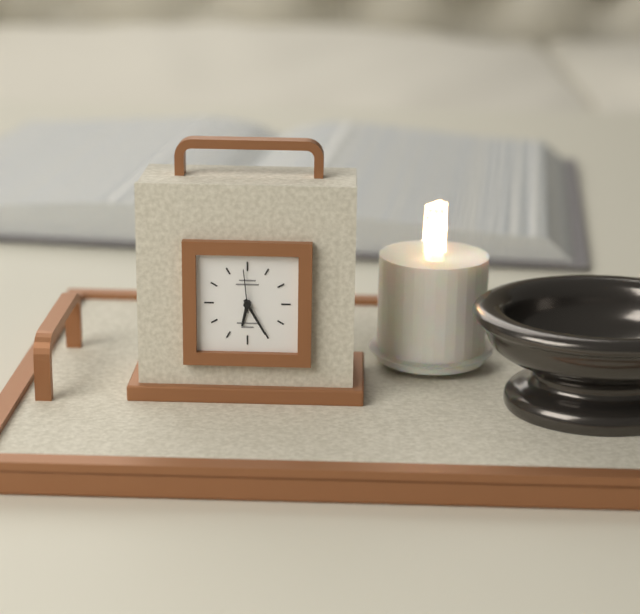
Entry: 6 h 25 min
